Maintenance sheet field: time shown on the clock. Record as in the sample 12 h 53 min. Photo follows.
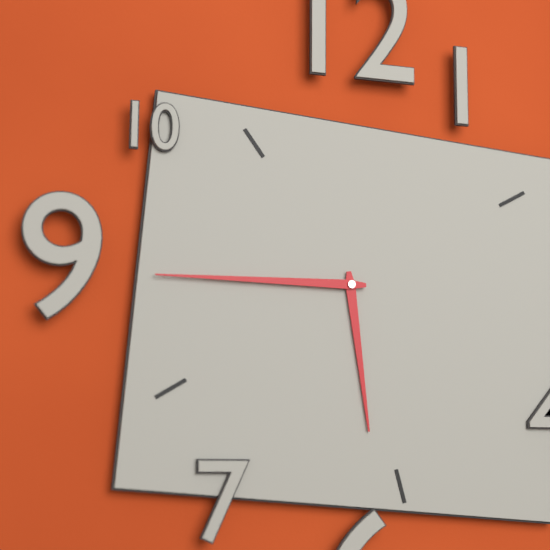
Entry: 5 h 45 min
